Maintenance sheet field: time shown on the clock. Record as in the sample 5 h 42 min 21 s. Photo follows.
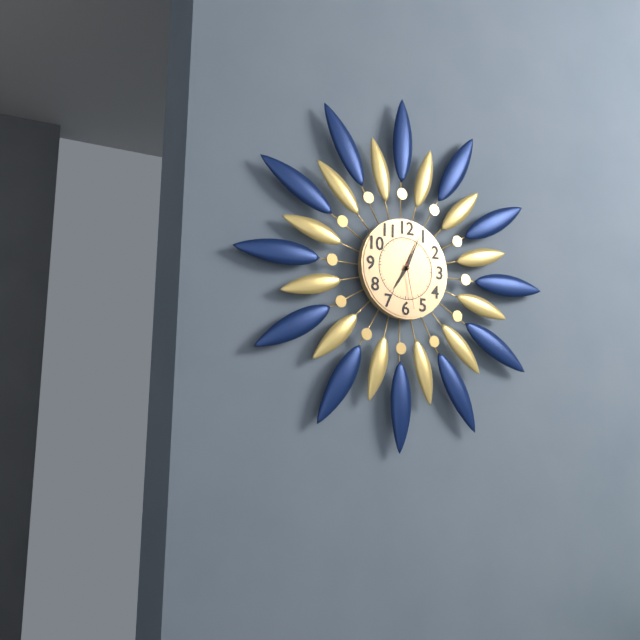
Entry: 7 h 04 min 28 s
